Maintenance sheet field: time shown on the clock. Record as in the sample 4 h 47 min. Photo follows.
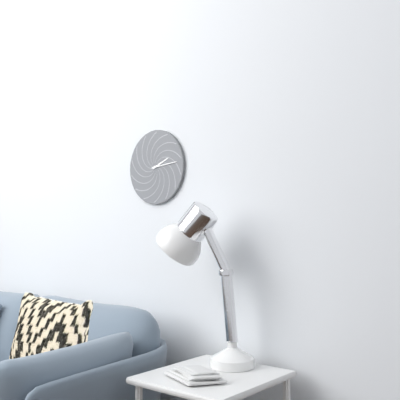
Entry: 2 h 14 min
